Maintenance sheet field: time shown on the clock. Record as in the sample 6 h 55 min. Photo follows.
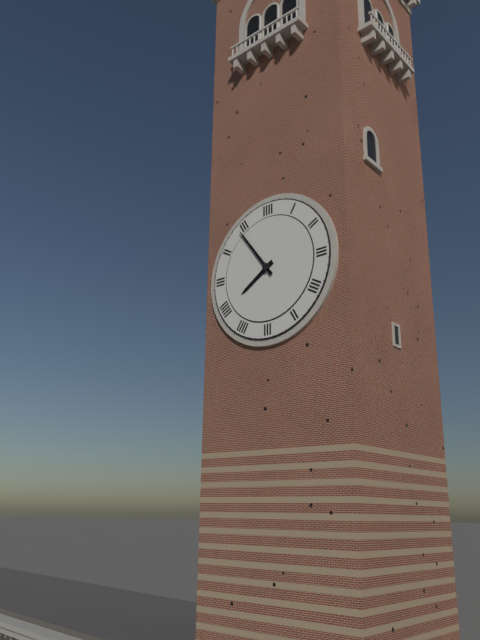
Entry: 7 h 54 min
